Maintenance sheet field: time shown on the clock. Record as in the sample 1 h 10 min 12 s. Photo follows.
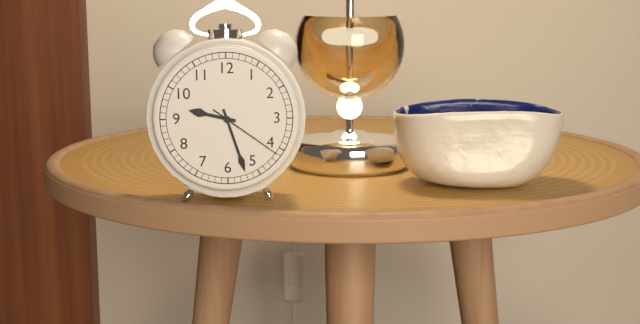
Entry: 9 h 27 min 21 s
